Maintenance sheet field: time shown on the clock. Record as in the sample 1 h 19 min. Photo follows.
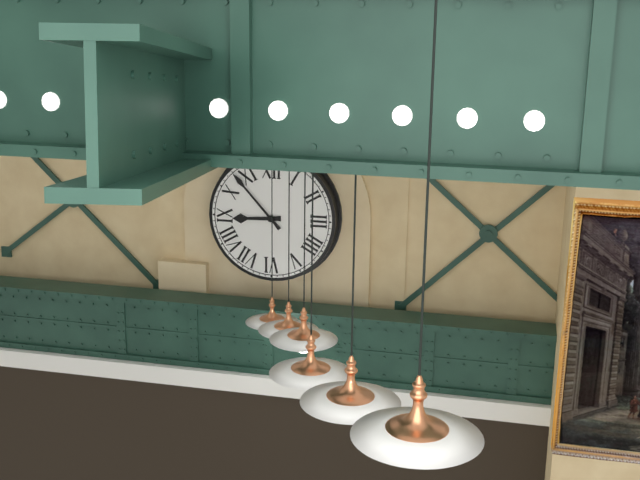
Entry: 8 h 53 min
